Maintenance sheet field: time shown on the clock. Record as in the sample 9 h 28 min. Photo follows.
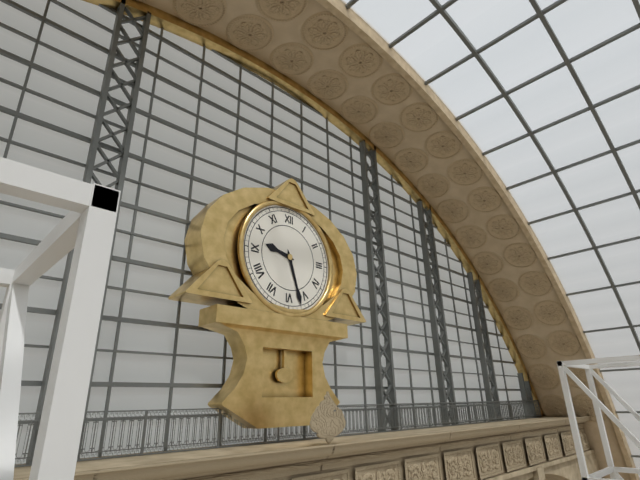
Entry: 9 h 27 min
